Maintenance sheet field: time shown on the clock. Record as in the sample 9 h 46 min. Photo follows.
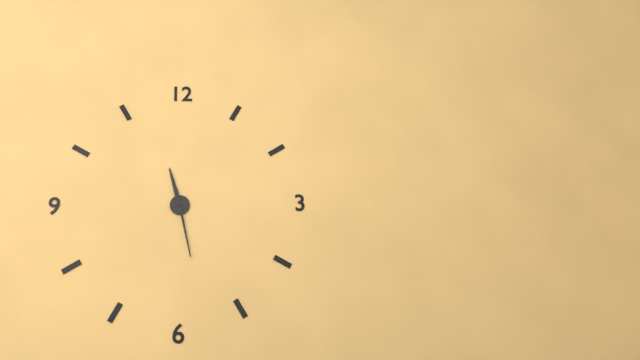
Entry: 11 h 28 min
